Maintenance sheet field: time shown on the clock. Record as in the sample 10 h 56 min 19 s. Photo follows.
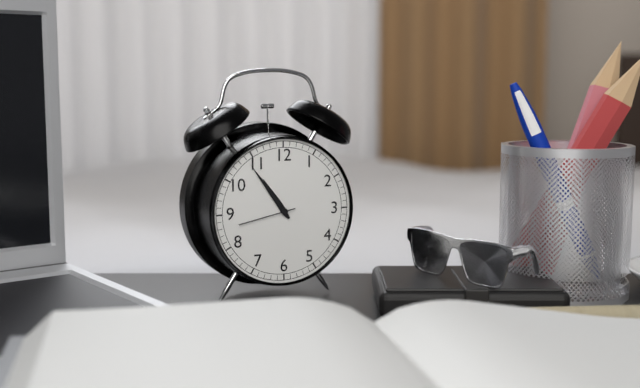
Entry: 10 h 54 min 43 s
